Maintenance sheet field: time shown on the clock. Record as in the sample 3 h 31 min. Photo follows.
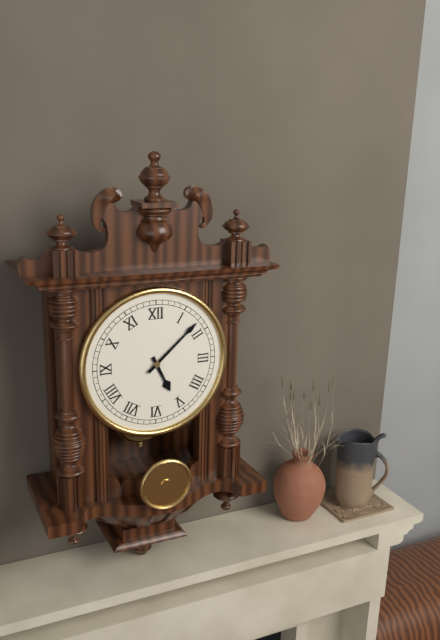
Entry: 5 h 08 min
